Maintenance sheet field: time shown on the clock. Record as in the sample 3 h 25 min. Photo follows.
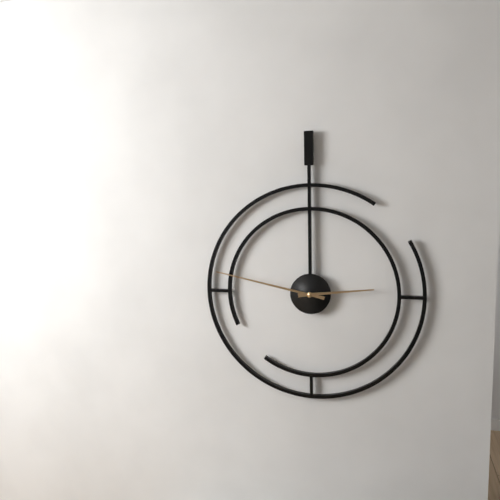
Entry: 2 h 47 min
